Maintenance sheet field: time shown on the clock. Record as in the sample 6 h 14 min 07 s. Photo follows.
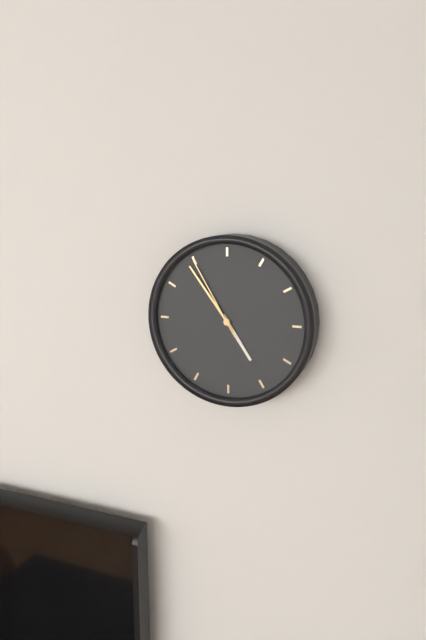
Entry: 4 h 54 min 55 s
